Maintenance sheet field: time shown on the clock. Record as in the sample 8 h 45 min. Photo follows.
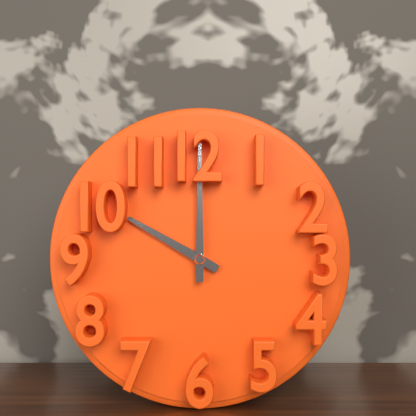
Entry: 10 h 00 min
